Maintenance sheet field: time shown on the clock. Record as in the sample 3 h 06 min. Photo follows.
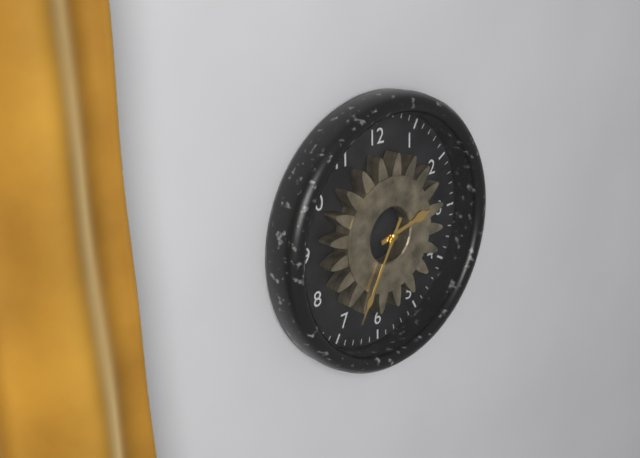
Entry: 2 h 35 min
